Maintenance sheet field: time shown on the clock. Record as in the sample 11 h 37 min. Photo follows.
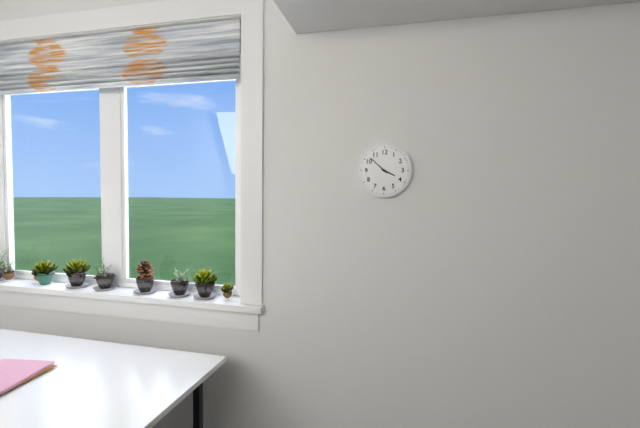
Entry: 3 h 52 min
